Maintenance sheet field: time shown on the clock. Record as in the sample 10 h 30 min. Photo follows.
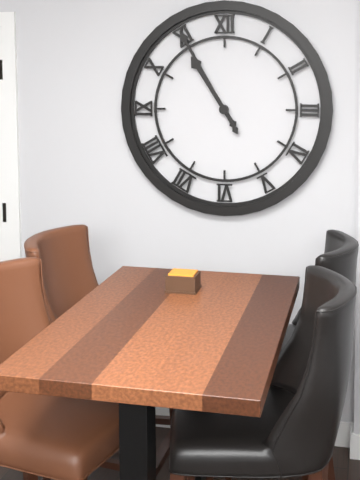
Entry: 10 h 55 min
